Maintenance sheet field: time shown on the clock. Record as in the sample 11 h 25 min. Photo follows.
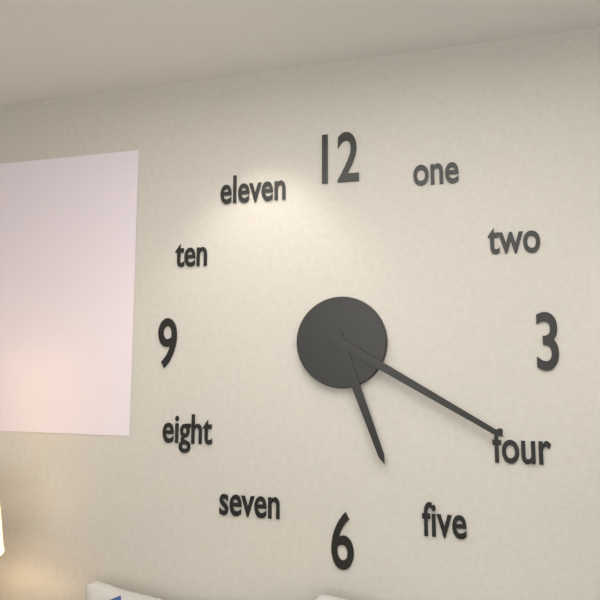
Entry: 5 h 20 min
